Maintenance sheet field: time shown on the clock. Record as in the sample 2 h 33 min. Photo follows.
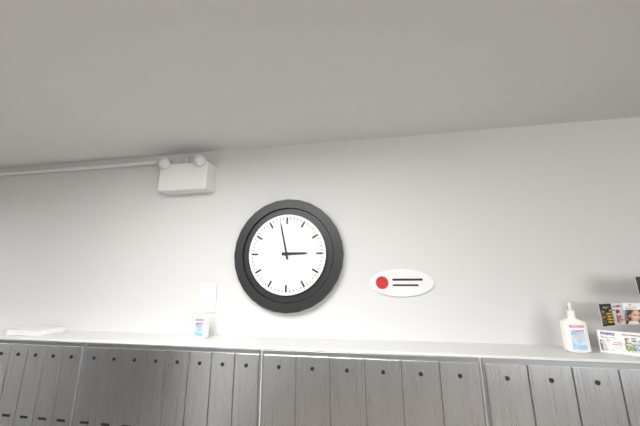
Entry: 2 h 58 min
